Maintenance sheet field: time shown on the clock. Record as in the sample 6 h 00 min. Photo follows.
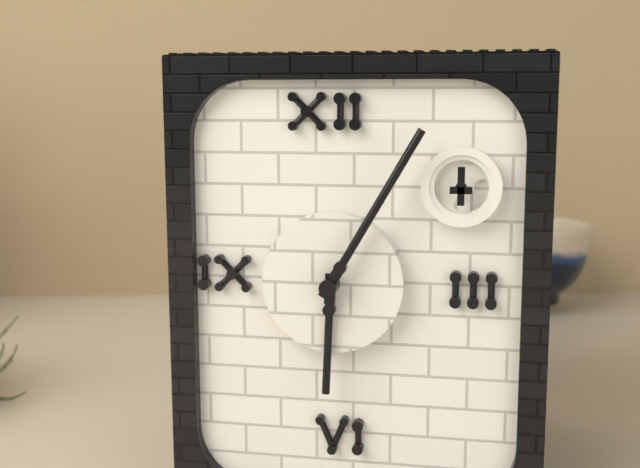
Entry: 6 h 05 min
